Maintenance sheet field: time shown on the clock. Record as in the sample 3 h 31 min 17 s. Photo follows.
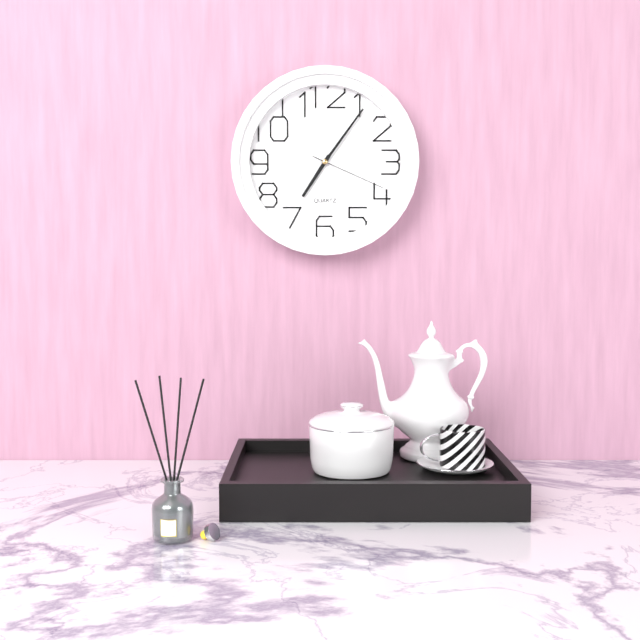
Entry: 7 h 06 min 19 s
